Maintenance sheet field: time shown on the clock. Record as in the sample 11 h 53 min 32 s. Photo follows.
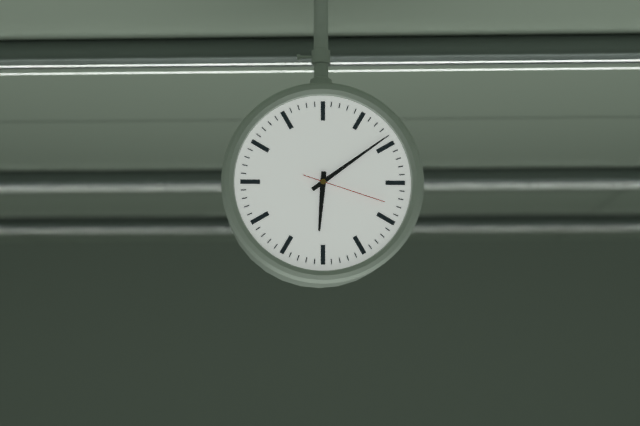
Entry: 6 h 09 min 18 s
